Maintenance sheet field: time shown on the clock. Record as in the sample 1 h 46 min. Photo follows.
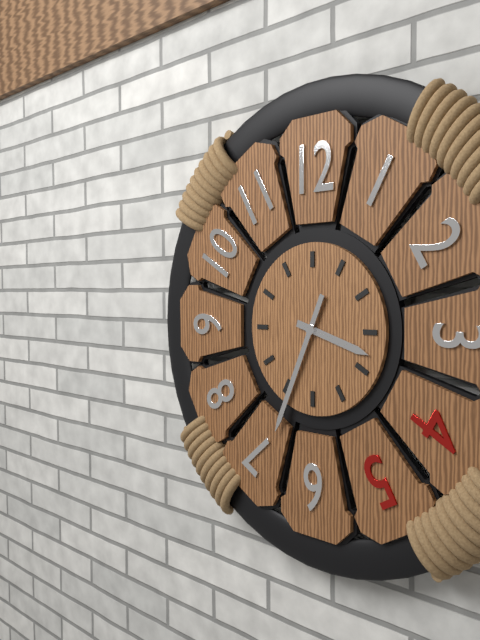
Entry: 3 h 34 min
